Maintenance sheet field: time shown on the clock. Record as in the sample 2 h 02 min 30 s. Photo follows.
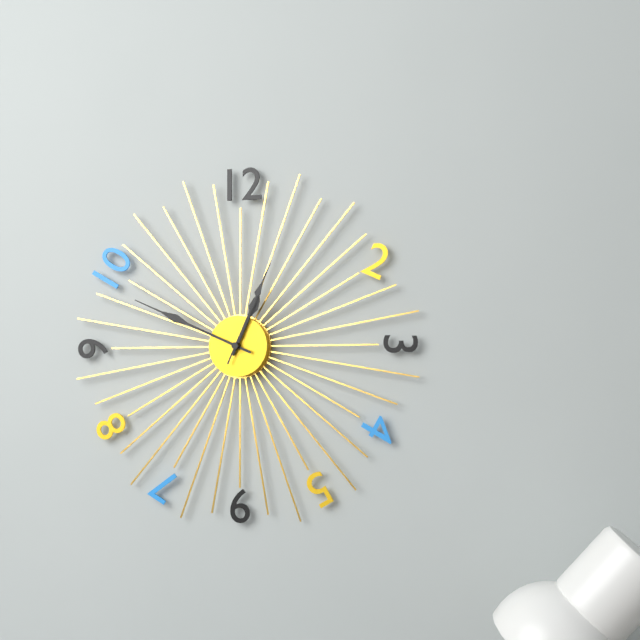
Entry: 12 h 49 min 04 s
